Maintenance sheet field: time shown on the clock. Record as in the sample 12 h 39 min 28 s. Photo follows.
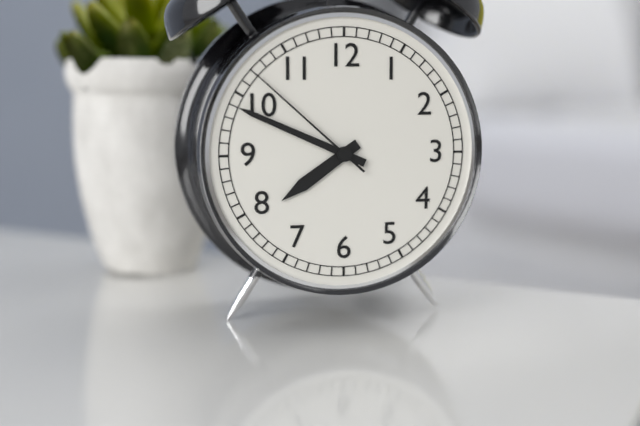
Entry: 7 h 49 min 52 s
